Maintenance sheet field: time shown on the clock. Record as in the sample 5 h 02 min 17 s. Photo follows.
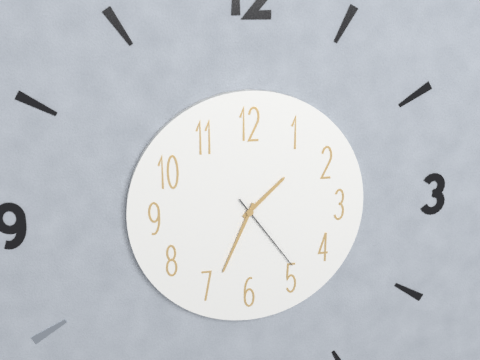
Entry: 1 h 34 min 24 s
